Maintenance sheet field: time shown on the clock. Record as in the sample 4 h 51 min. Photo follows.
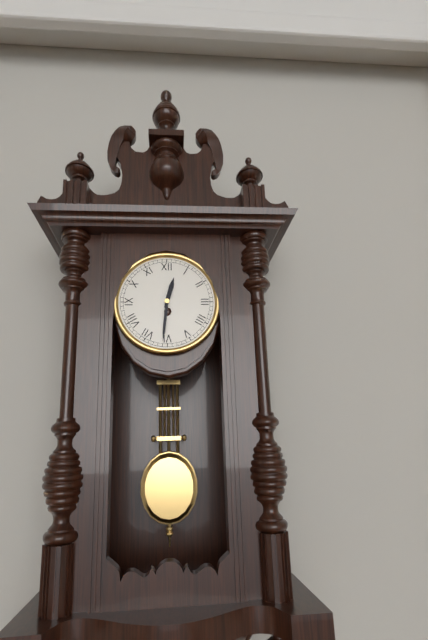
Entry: 12 h 31 min
